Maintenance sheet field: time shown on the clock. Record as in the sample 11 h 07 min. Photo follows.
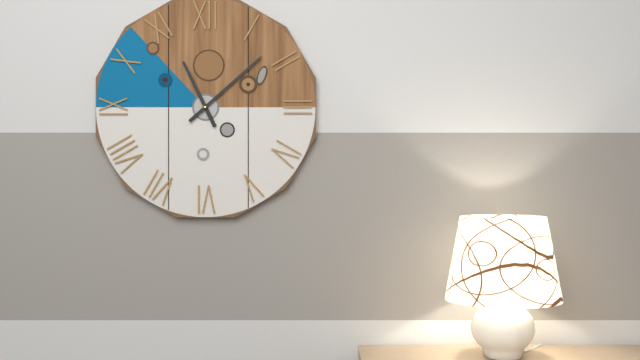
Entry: 11 h 08 min
